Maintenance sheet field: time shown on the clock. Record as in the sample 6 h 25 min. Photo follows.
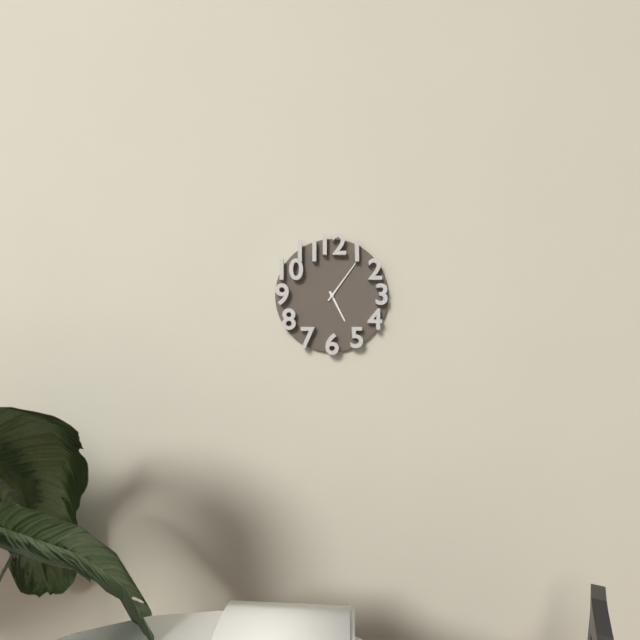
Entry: 5 h 06 min
